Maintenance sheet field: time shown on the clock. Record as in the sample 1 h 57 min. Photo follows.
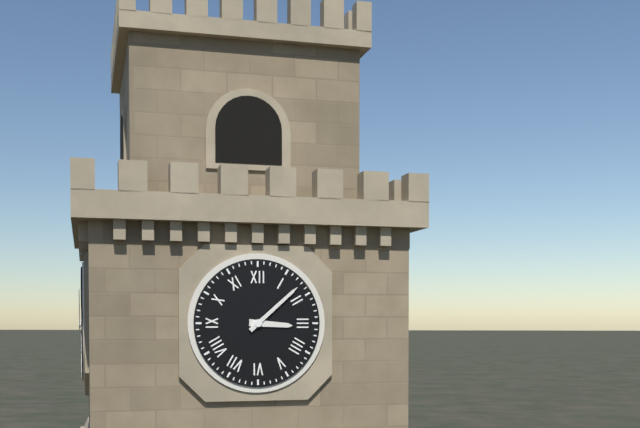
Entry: 3 h 08 min
